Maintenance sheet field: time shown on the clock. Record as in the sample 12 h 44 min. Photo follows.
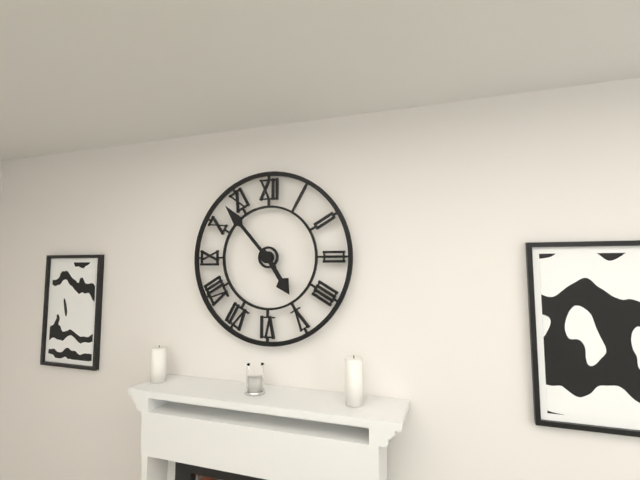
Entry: 4 h 53 min
